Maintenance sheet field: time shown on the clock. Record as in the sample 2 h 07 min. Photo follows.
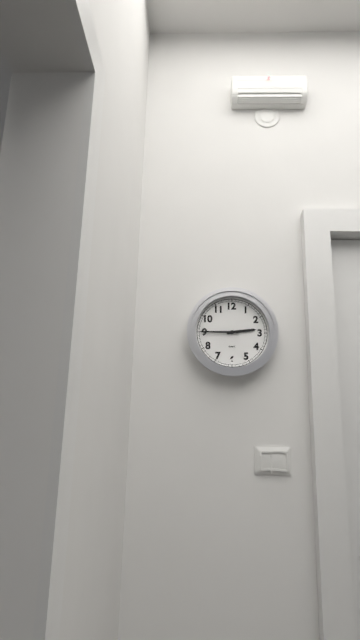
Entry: 2 h 45 min
